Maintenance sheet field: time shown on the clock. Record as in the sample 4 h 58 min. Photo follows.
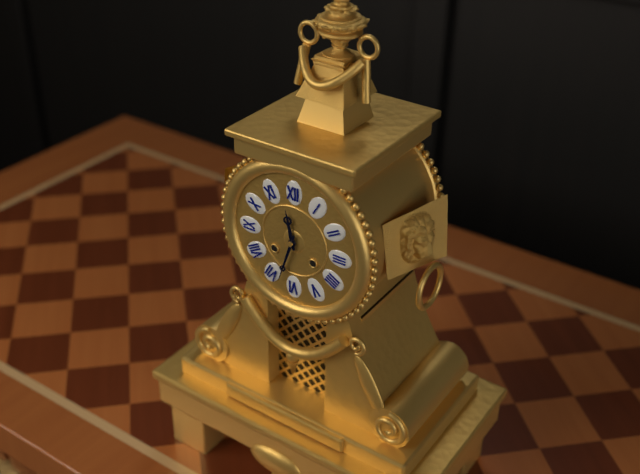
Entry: 11 h 33 min
